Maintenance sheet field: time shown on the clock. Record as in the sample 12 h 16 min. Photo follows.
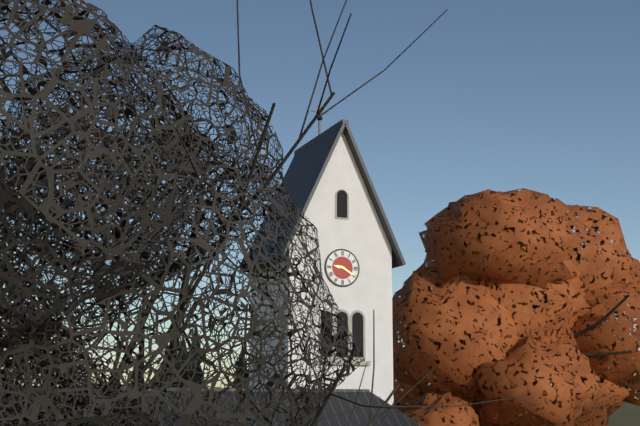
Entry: 9 h 20 min
